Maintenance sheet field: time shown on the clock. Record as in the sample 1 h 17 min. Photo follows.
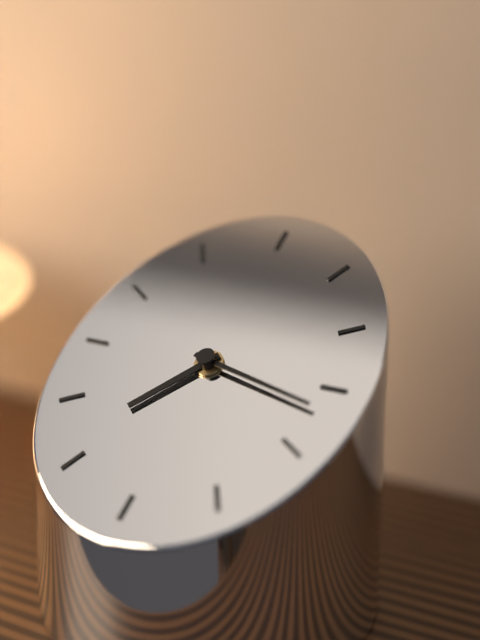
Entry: 7 h 17 min
